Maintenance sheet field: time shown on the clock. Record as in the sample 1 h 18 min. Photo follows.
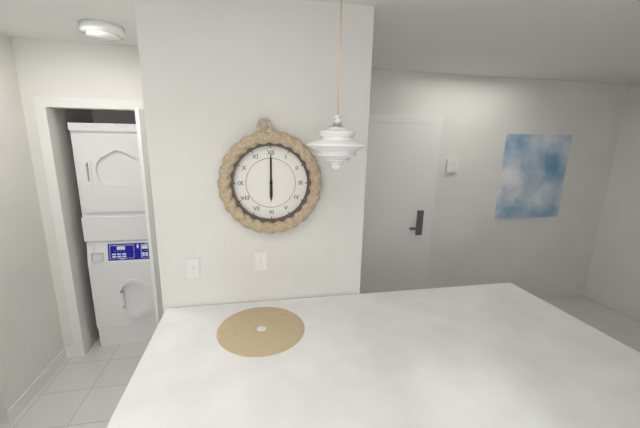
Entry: 6 h 00 min
